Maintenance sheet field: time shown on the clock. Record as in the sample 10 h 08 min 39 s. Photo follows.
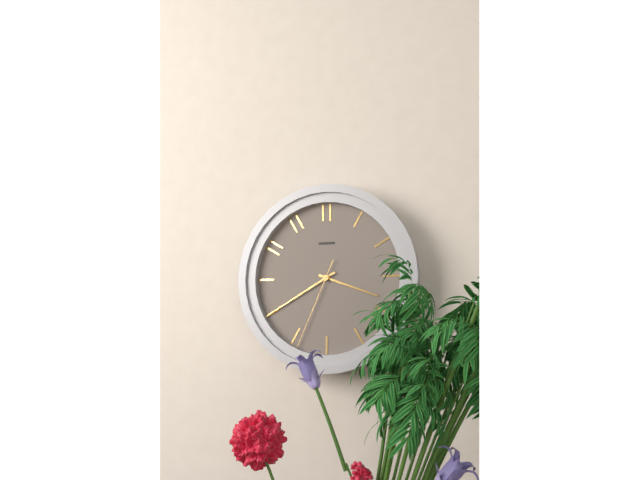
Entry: 3 h 40 min 34 s
